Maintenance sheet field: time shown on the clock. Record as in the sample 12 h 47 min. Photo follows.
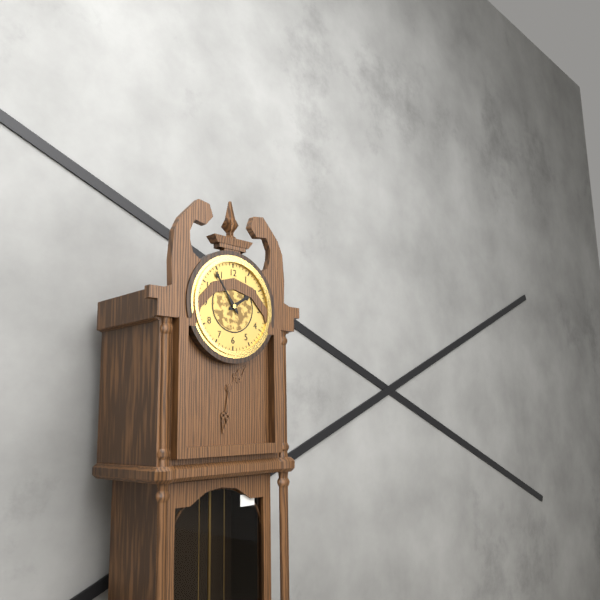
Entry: 1 h 54 min
